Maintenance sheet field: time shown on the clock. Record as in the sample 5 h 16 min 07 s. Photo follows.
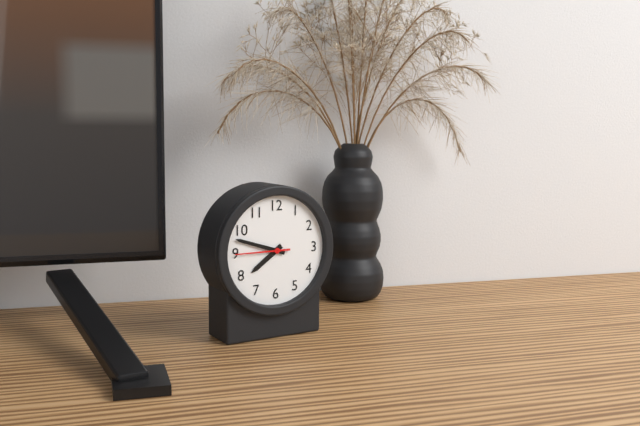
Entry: 7 h 48 min 45 s
